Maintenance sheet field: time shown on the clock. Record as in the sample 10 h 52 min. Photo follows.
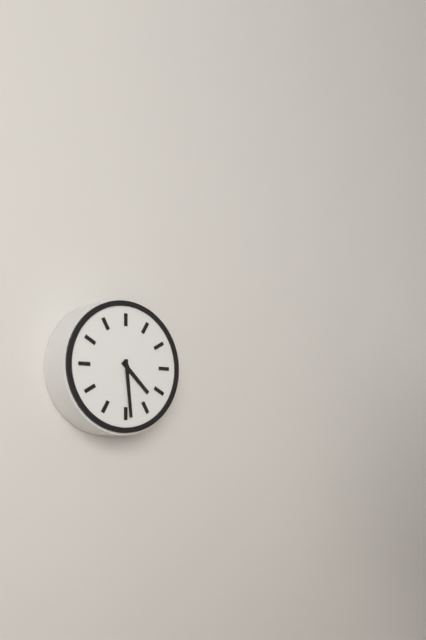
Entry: 4 h 29 min
